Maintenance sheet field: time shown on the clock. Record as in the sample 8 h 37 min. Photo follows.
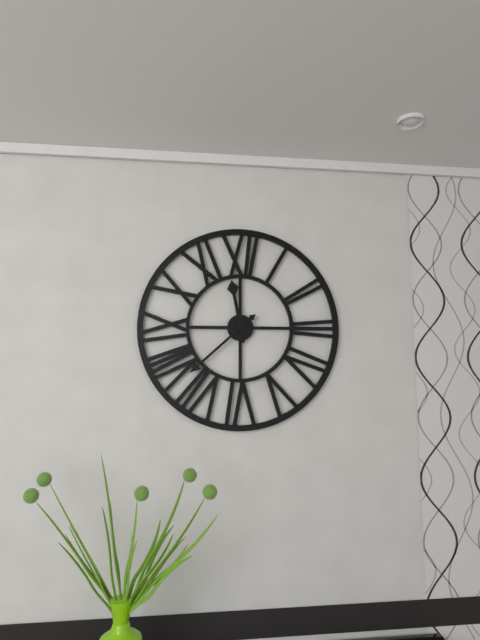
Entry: 11 h 38 min
